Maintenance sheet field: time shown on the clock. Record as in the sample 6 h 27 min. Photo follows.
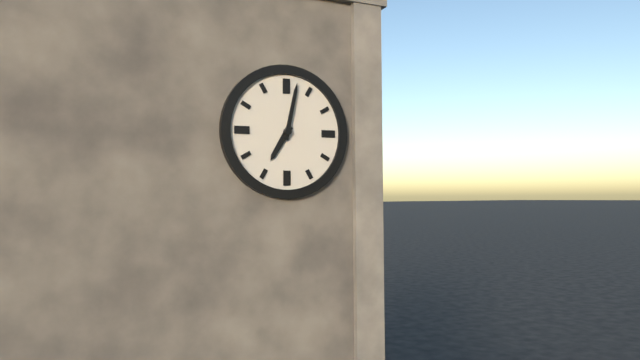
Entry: 7 h 02 min
